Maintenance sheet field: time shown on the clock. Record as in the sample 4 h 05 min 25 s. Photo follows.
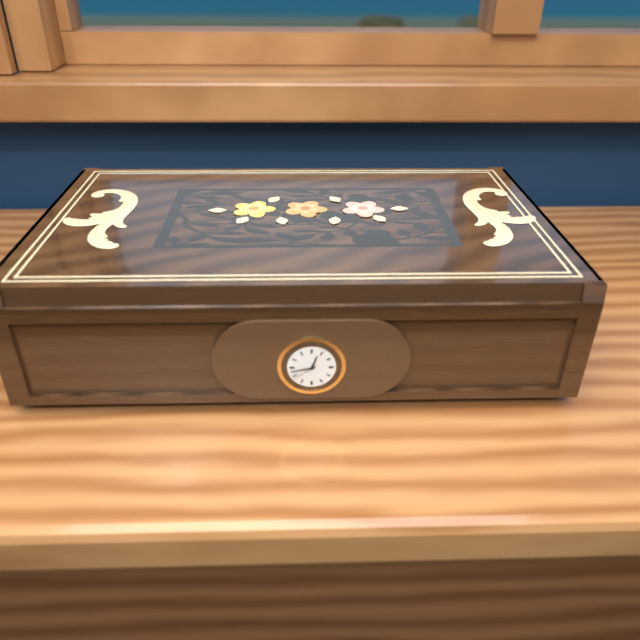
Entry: 12 h 43 min 39 s
